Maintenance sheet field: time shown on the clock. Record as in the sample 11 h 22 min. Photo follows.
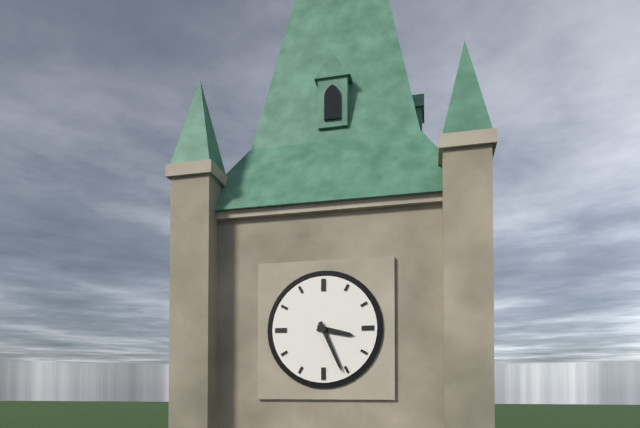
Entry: 3 h 26 min
